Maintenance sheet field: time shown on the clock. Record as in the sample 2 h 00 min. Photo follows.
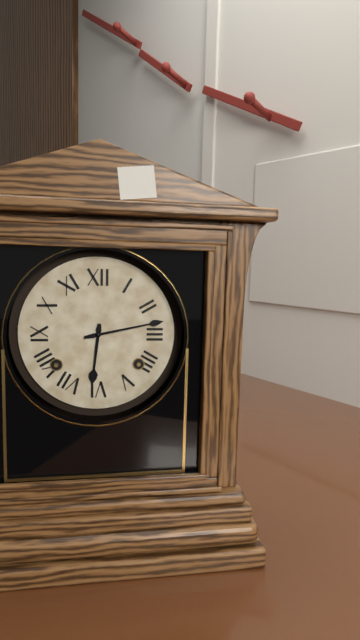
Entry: 6 h 13 min
